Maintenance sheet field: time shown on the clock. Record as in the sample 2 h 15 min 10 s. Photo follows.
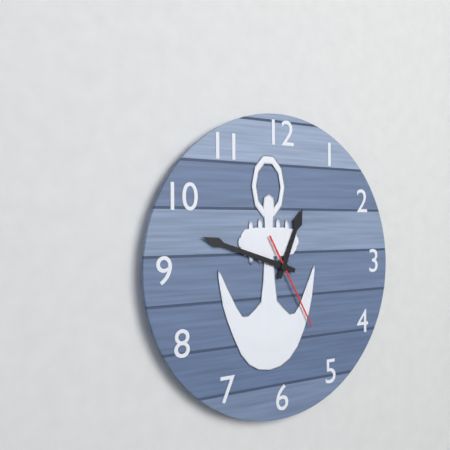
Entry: 12 h 48 min 25 s
